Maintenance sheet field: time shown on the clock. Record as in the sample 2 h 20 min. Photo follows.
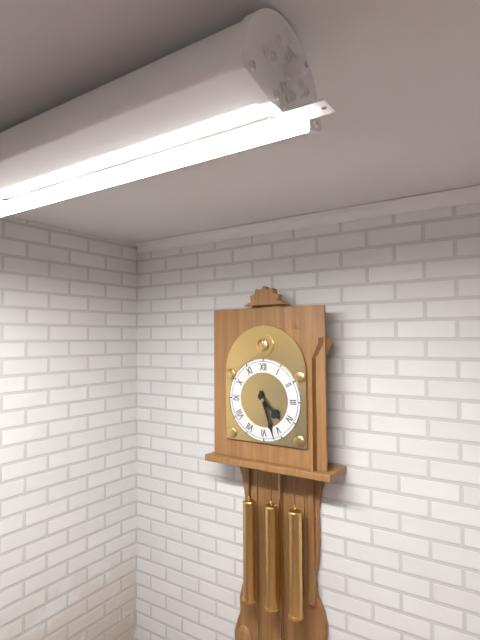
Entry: 4 h 27 min
